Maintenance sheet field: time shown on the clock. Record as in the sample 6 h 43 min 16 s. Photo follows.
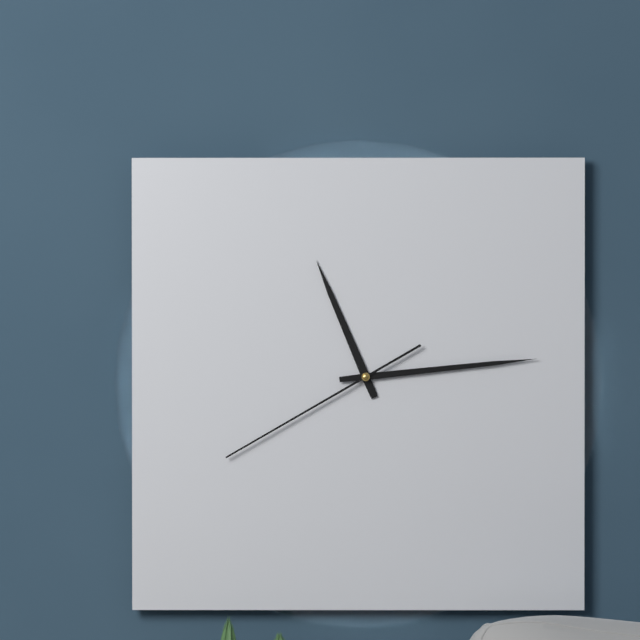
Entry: 11 h 14 min 40 s
